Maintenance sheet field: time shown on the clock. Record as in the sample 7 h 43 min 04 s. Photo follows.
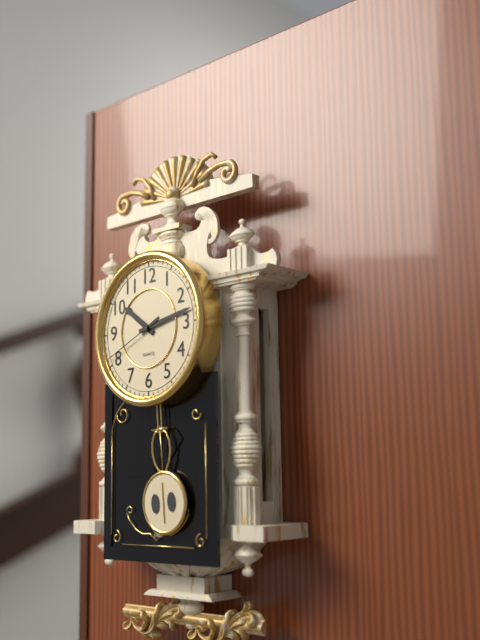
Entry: 10 h 13 min 41 s
